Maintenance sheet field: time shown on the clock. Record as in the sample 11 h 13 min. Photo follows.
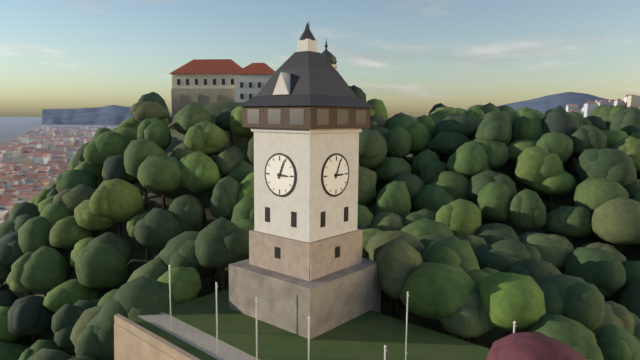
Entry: 3 h 04 min
